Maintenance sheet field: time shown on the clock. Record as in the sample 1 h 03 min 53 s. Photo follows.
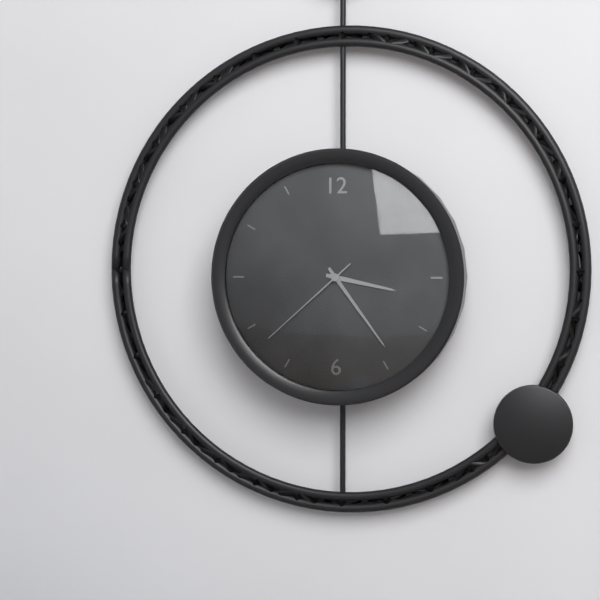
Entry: 3 h 24 min 38 s
